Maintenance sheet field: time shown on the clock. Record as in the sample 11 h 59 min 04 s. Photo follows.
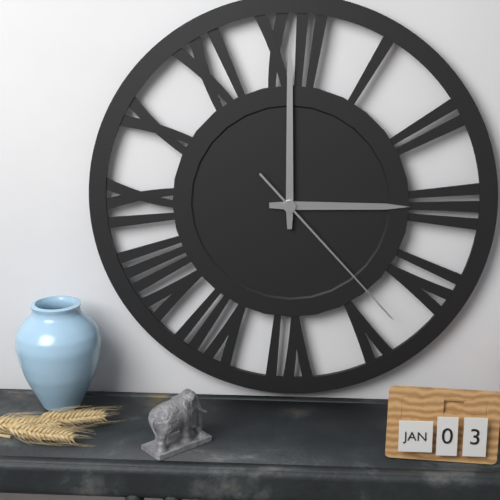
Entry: 3 h 00 min 23 s
